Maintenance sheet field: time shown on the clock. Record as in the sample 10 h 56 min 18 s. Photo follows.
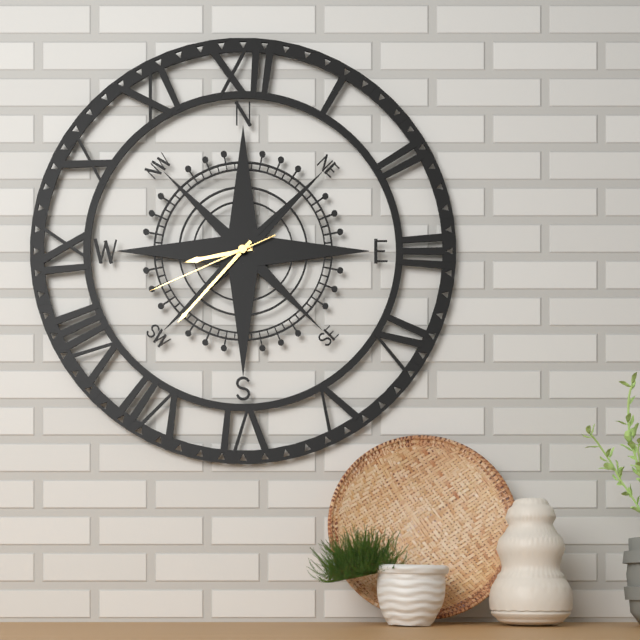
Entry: 8 h 37 min 41 s
